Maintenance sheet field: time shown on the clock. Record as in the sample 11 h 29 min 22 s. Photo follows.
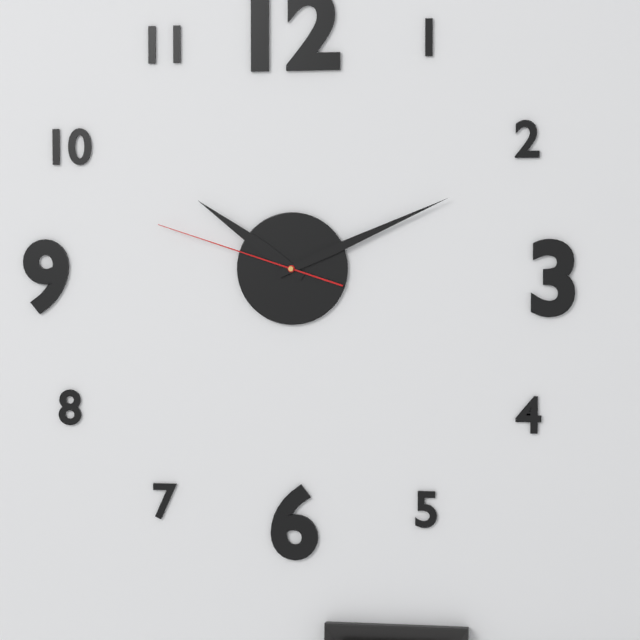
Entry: 10 h 11 min 48 s
